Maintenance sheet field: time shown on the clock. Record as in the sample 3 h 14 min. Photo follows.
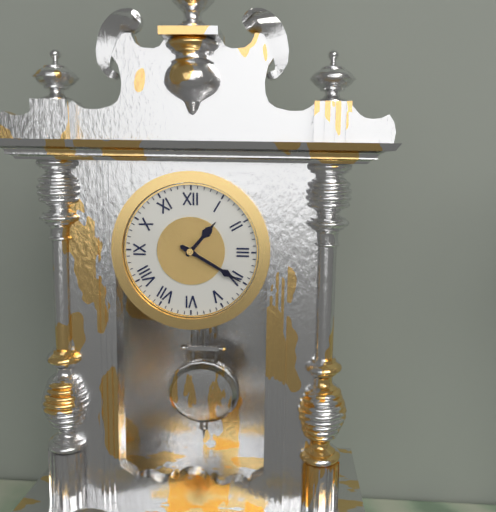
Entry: 1 h 20 min
